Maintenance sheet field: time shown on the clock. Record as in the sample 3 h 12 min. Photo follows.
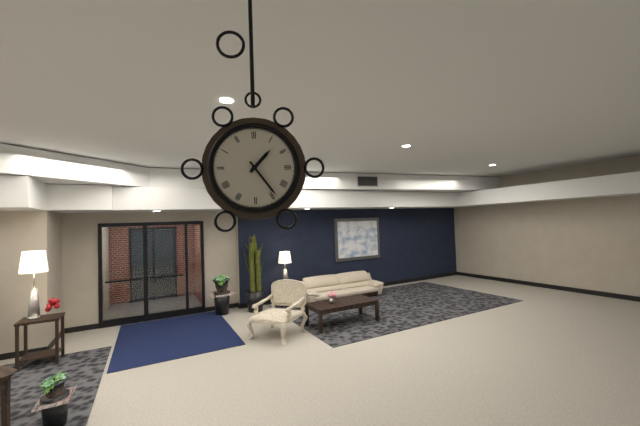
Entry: 1 h 24 min
